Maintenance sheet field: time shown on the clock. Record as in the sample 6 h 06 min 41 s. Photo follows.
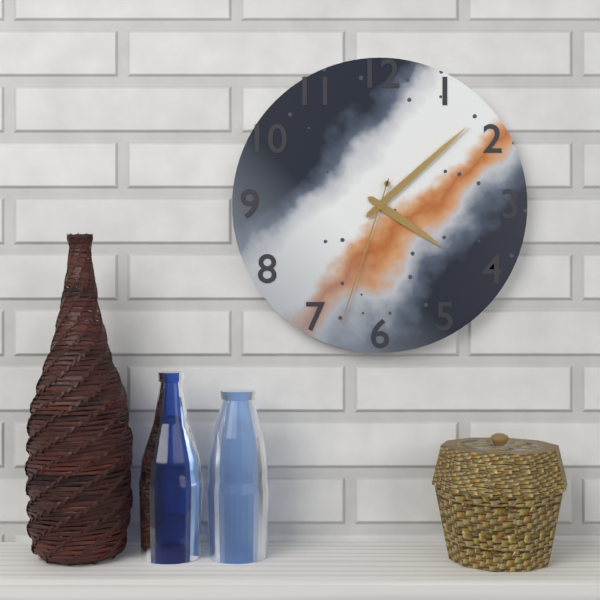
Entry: 4 h 08 min 33 s
